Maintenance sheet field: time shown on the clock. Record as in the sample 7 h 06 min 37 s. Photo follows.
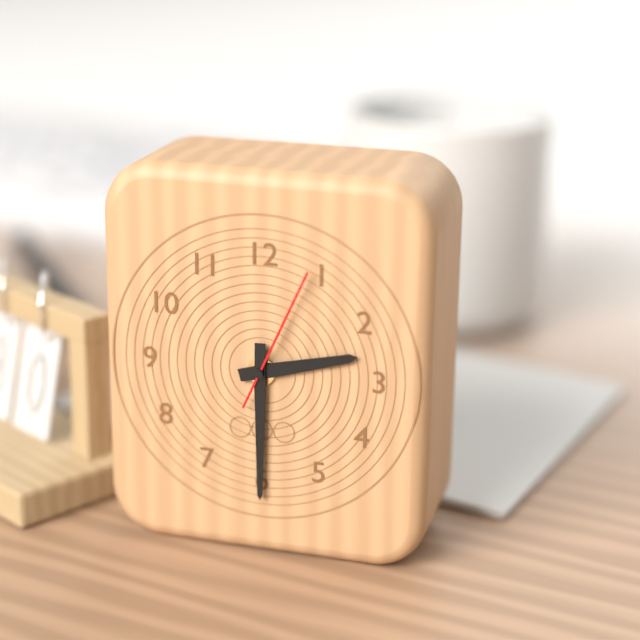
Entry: 2 h 30 min 04 s
